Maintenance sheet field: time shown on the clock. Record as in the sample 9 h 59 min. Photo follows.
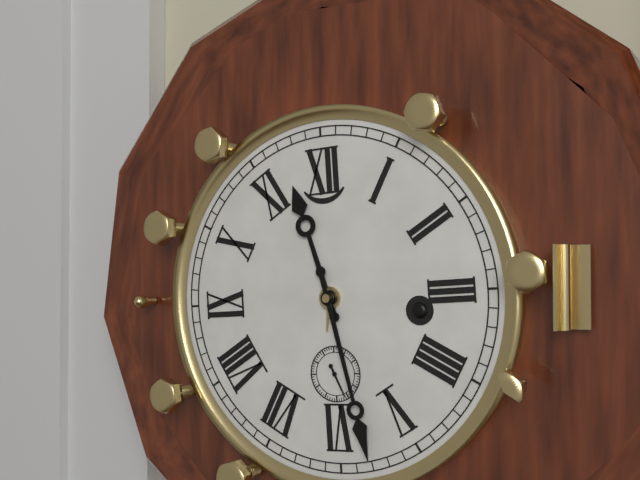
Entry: 11 h 28 min
